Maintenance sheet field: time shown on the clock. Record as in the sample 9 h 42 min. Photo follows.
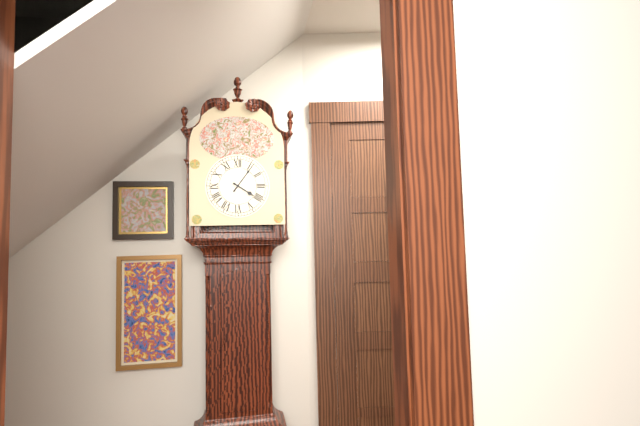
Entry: 4 h 06 min
